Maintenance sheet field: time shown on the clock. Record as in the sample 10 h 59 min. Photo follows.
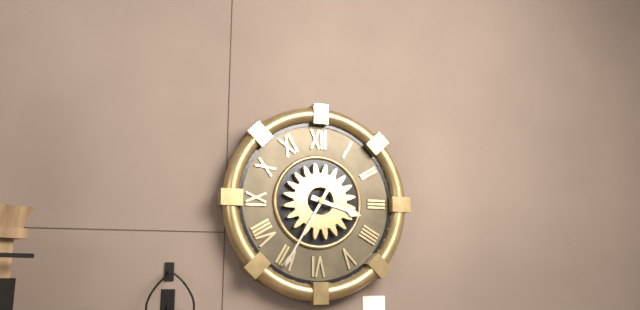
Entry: 3 h 35 min
